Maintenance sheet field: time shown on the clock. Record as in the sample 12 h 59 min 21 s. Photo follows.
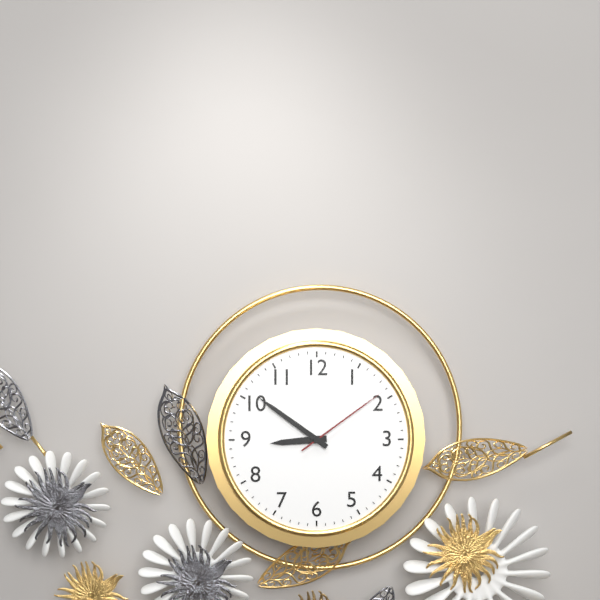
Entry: 8 h 51 min 09 s
